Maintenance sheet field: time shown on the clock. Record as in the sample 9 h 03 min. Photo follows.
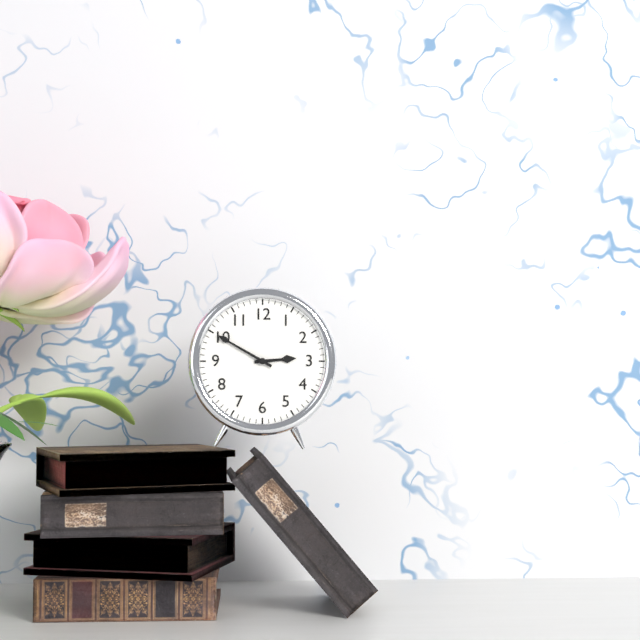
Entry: 2 h 50 min
